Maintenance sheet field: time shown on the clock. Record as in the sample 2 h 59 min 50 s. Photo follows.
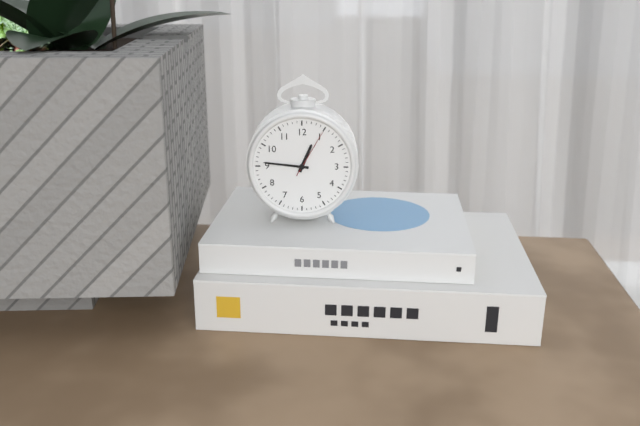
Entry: 12 h 46 min 05 s
